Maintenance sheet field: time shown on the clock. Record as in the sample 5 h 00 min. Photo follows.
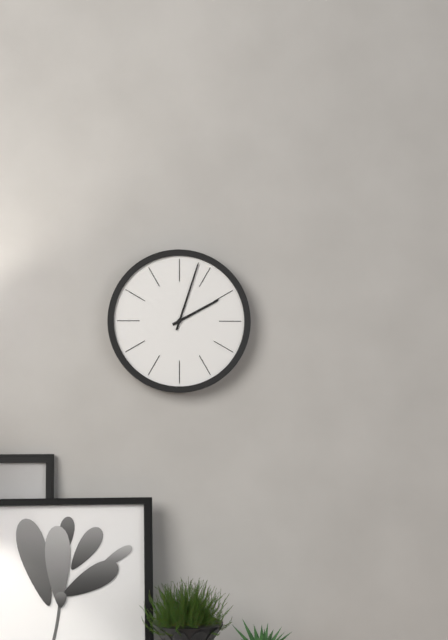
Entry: 2 h 03 min
